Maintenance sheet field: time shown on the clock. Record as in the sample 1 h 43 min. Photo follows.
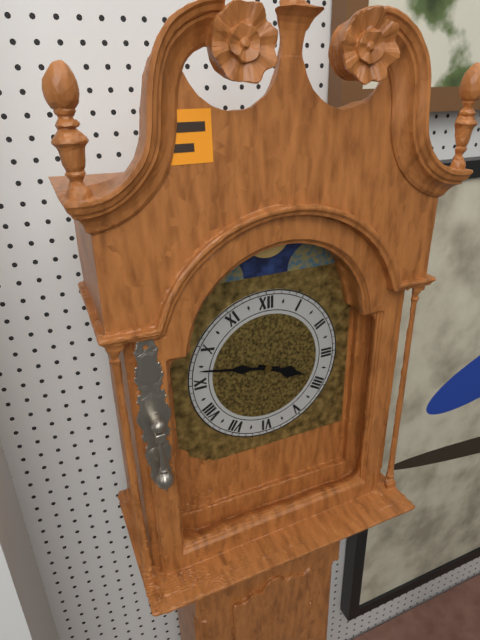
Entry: 3 h 47 min
